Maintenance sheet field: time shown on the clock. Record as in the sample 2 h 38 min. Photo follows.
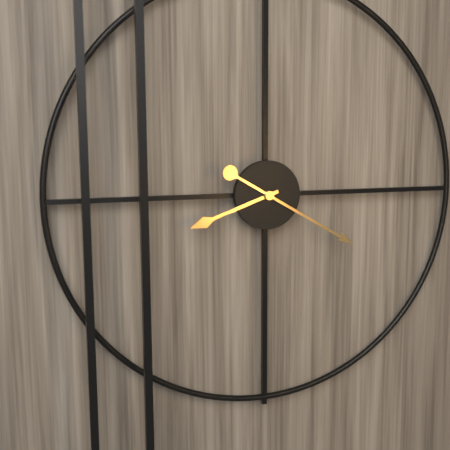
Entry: 8 h 20 min
